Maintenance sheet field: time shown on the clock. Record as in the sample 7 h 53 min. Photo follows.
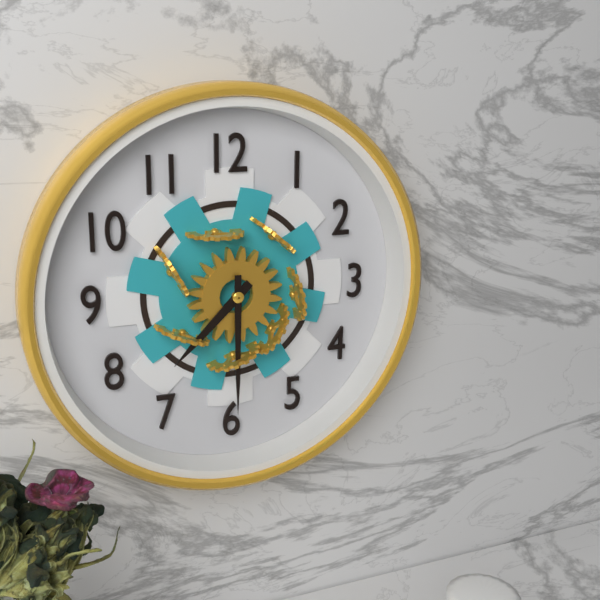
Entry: 7 h 30 min
